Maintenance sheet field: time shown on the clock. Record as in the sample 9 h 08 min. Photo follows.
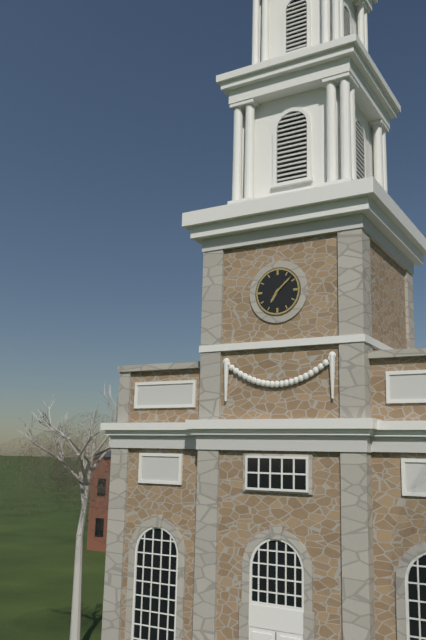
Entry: 7 h 08 min
